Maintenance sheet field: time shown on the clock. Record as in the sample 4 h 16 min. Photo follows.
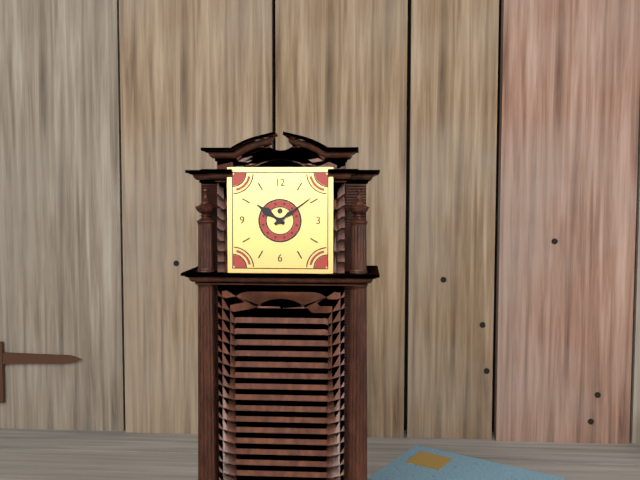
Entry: 10 h 09 min
